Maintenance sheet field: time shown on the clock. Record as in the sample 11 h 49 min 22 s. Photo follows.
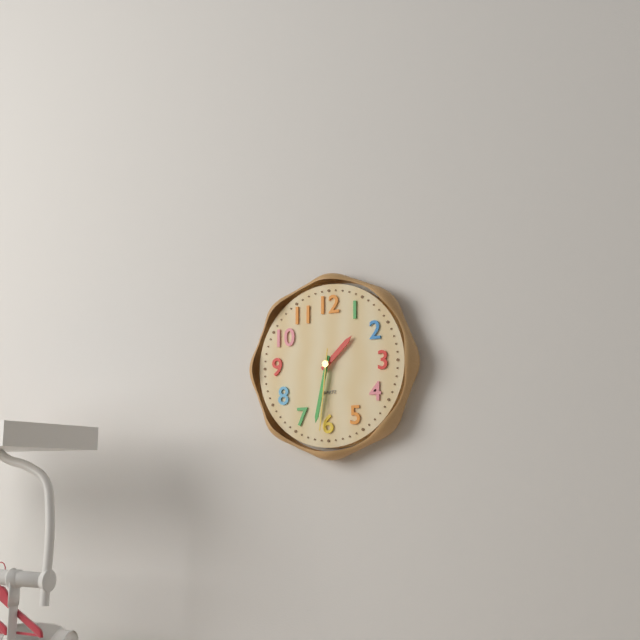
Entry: 1 h 32 min 31 s
